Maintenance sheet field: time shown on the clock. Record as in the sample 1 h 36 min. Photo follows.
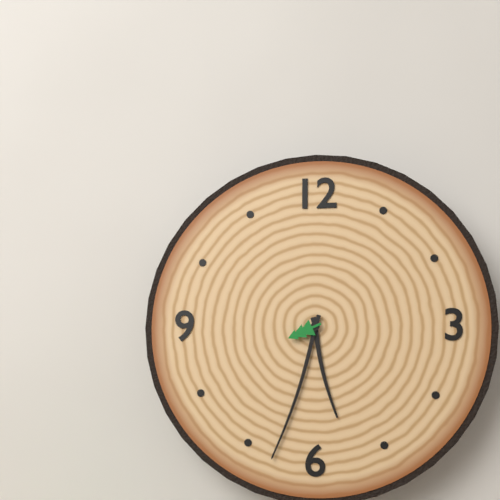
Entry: 5 h 33 min
